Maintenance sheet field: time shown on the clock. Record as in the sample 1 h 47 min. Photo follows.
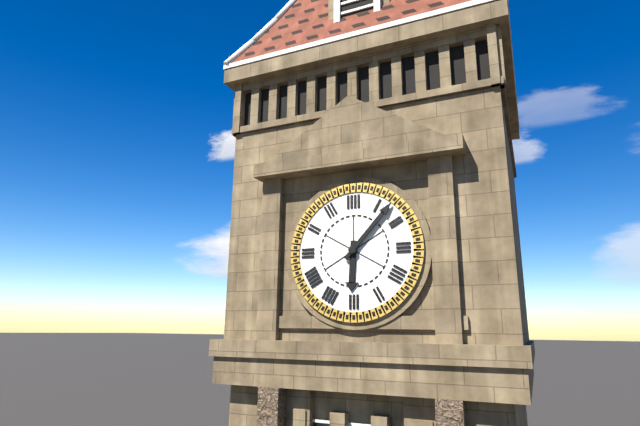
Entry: 6 h 07 min
